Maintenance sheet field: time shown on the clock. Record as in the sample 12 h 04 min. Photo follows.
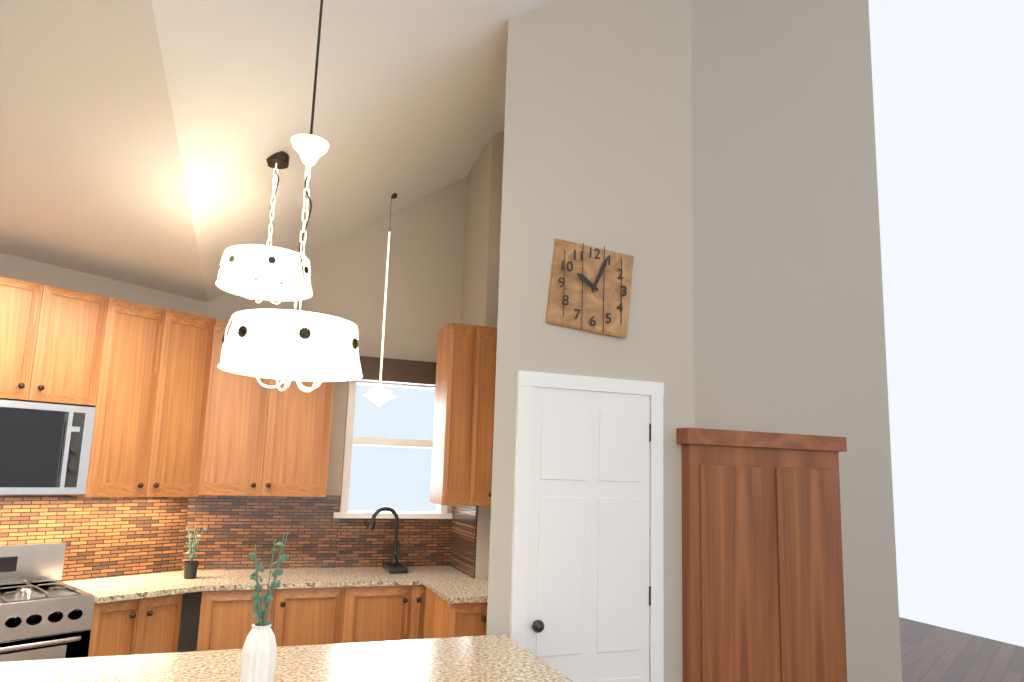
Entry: 10 h 04 min
